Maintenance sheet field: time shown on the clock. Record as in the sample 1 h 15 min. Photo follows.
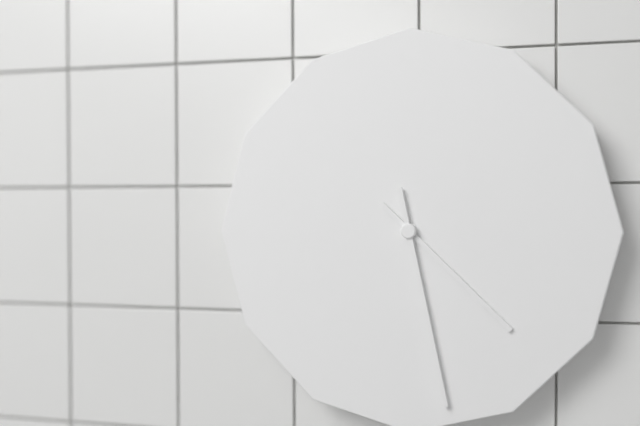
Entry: 4 h 28 min
